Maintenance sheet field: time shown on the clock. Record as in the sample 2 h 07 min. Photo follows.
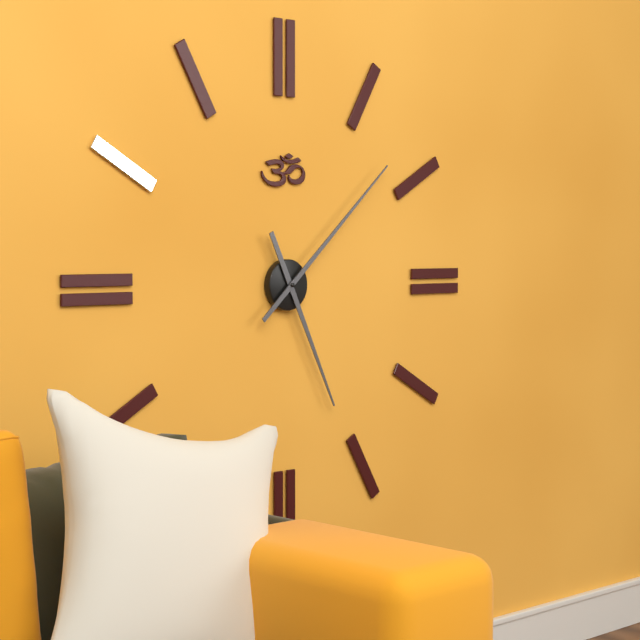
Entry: 5 h 08 min
